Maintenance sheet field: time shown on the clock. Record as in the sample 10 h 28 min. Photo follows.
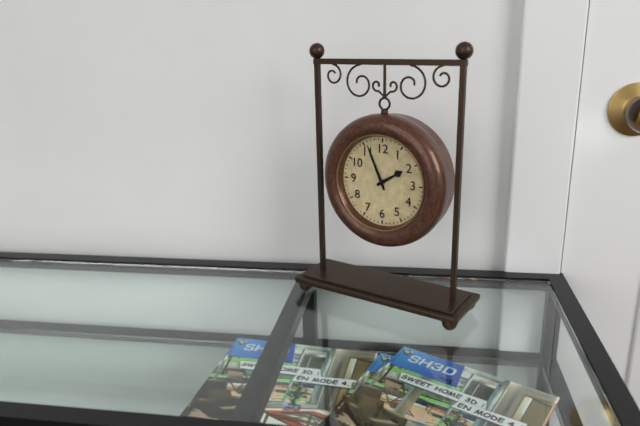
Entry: 1 h 56 min
